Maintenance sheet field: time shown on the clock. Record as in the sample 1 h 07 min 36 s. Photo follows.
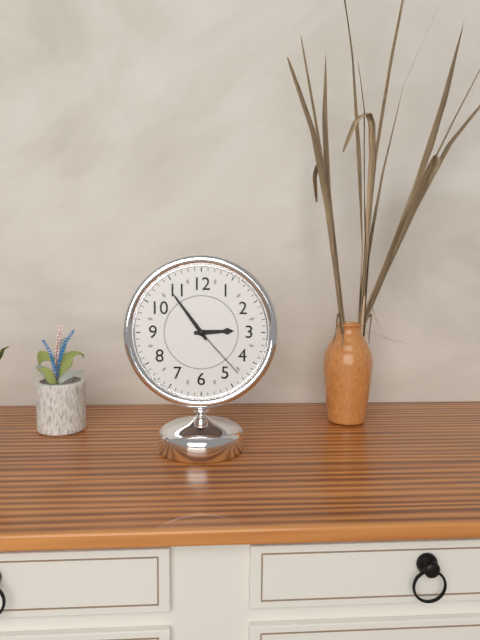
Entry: 2 h 54 min 23 s
